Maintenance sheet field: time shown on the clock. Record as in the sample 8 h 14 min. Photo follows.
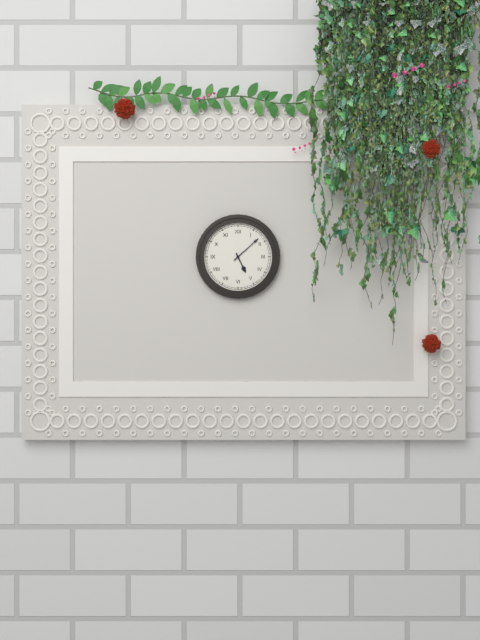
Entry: 5 h 08 min
